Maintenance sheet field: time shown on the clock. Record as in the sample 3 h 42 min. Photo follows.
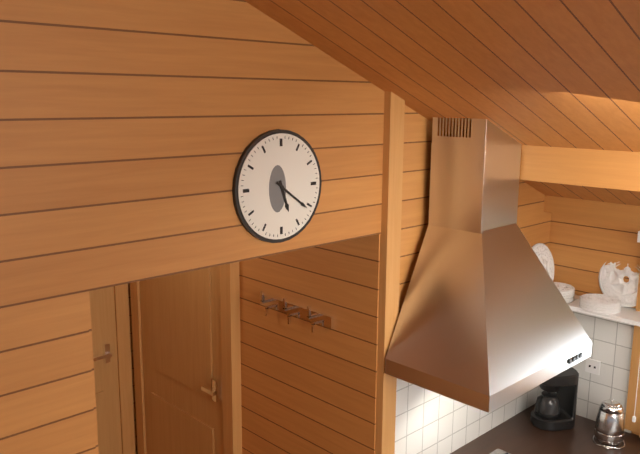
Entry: 5 h 21 min
